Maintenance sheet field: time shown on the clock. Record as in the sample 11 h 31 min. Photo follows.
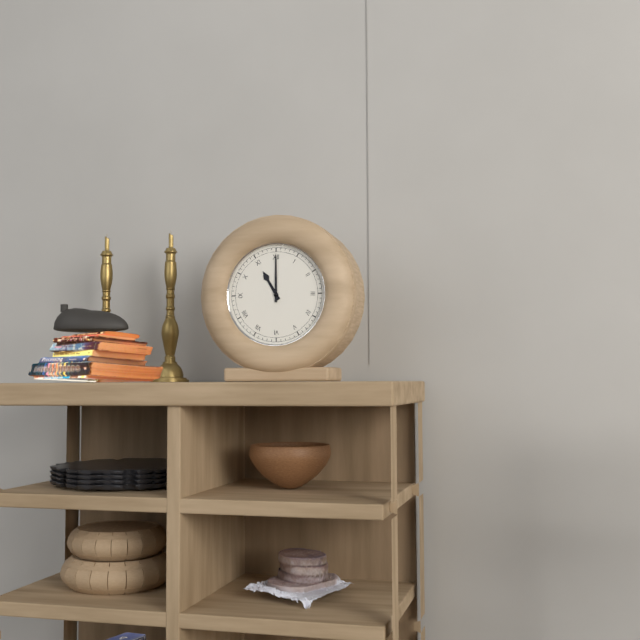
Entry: 11 h 00 min
